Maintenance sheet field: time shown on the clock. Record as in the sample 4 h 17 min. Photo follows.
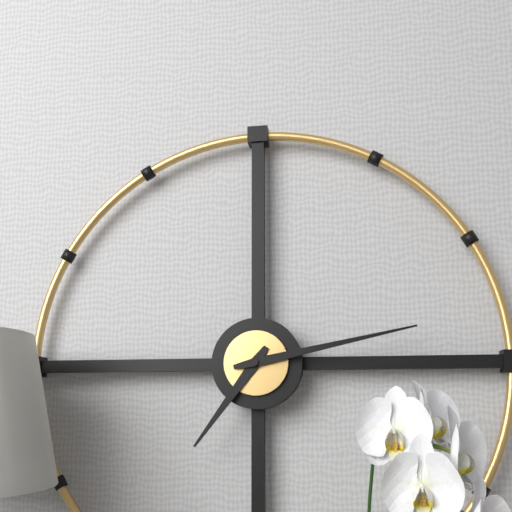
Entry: 7 h 13 min
